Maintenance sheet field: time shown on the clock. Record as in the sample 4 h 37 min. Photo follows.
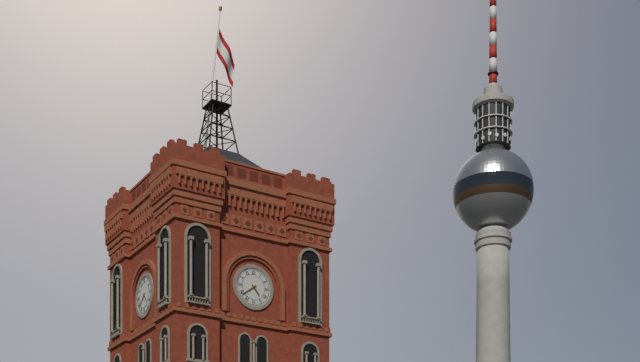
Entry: 4 h 39 min
